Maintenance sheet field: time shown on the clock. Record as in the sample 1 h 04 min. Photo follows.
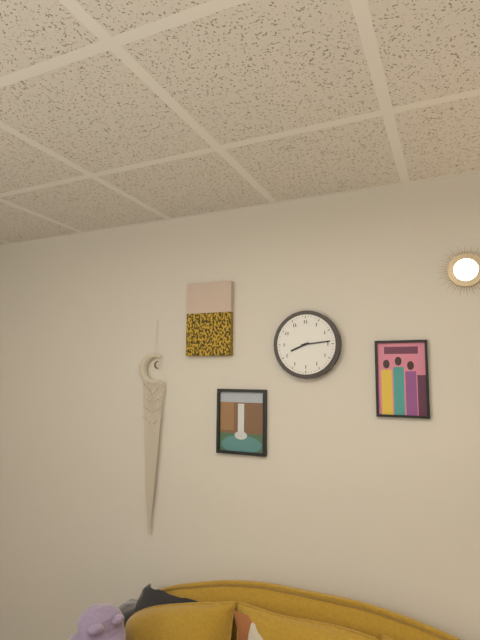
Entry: 8 h 14 min
